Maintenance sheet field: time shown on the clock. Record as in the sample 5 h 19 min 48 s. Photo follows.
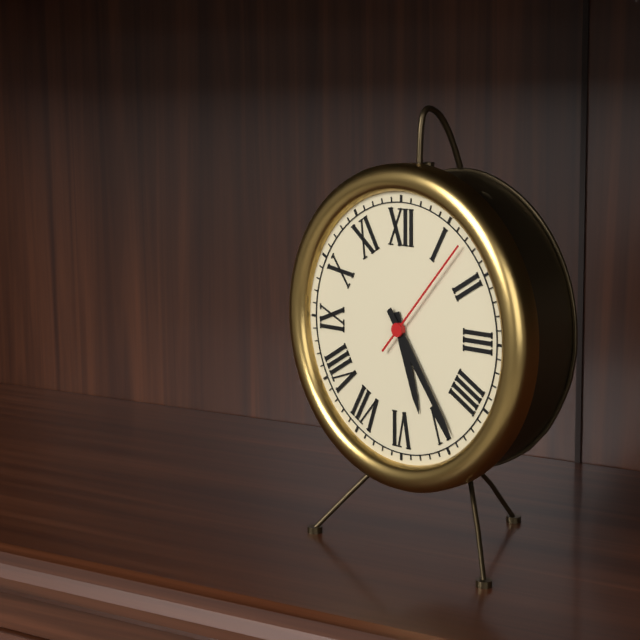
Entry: 5 h 24 min 07 s
